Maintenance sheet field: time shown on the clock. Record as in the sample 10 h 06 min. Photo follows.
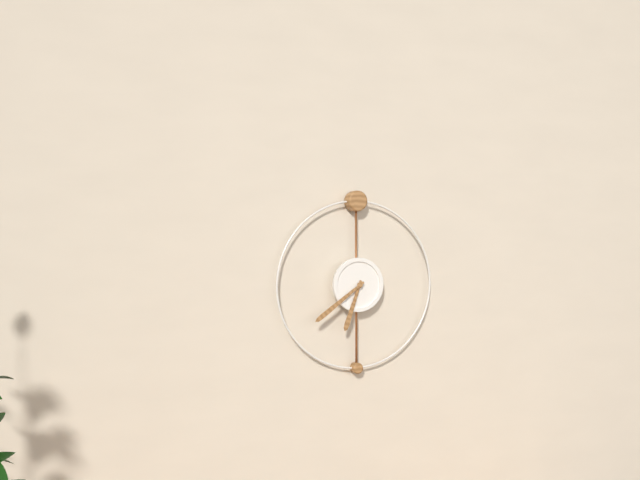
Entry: 6 h 39 min
